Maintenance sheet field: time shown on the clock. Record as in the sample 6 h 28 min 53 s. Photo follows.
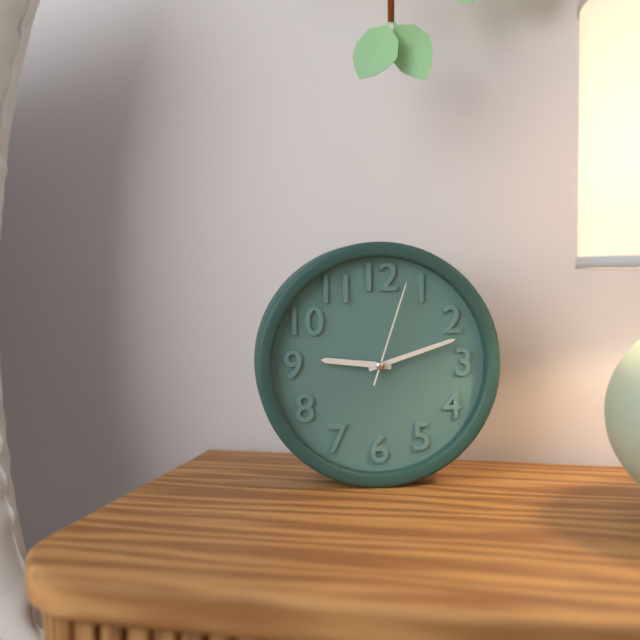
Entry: 9 h 12 min 03 s
